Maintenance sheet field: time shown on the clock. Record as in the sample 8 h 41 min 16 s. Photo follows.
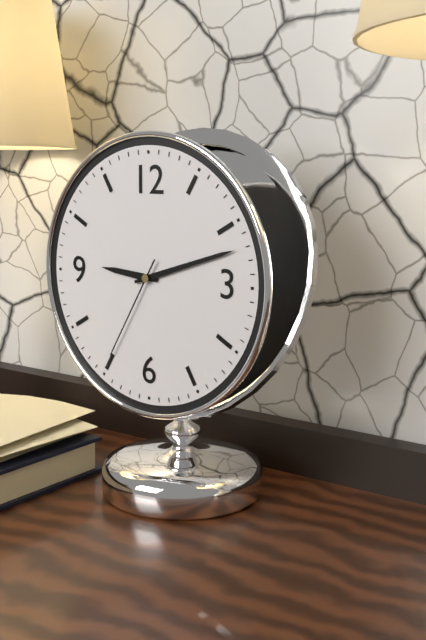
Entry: 9 h 12 min 35 s
